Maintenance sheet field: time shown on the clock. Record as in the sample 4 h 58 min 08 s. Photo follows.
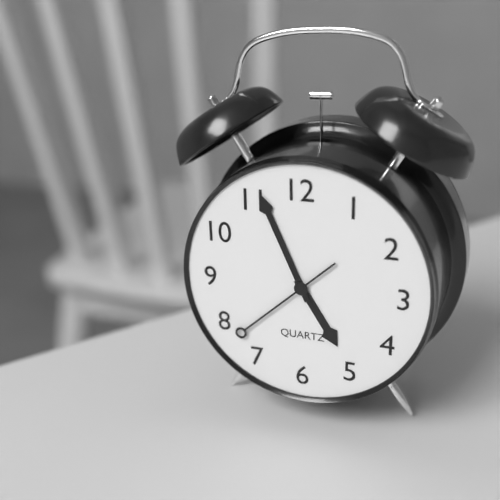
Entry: 4 h 56 min 38 s
